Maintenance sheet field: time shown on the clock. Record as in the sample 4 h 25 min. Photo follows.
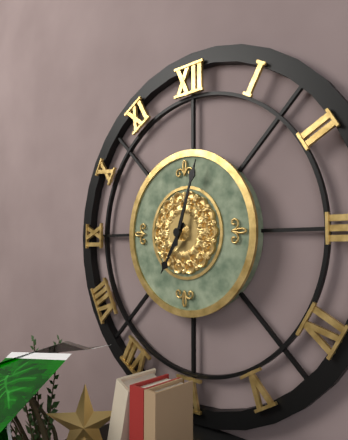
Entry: 7 h 03 min
